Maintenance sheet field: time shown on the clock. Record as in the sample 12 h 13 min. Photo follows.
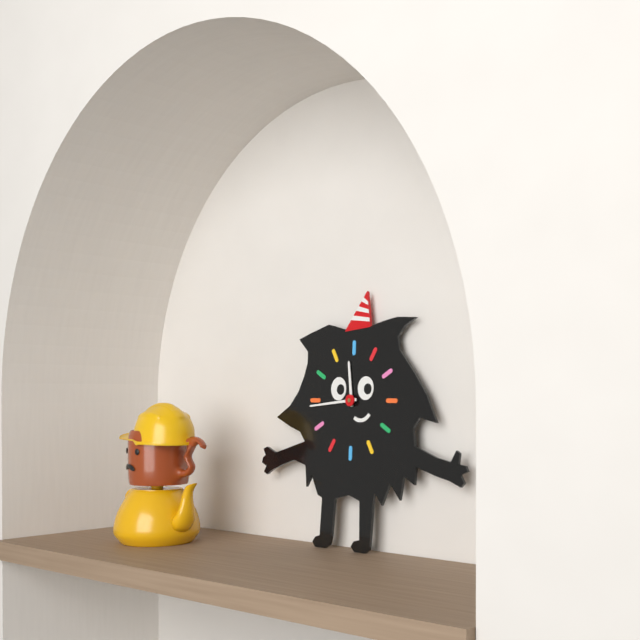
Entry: 11 h 44 min
